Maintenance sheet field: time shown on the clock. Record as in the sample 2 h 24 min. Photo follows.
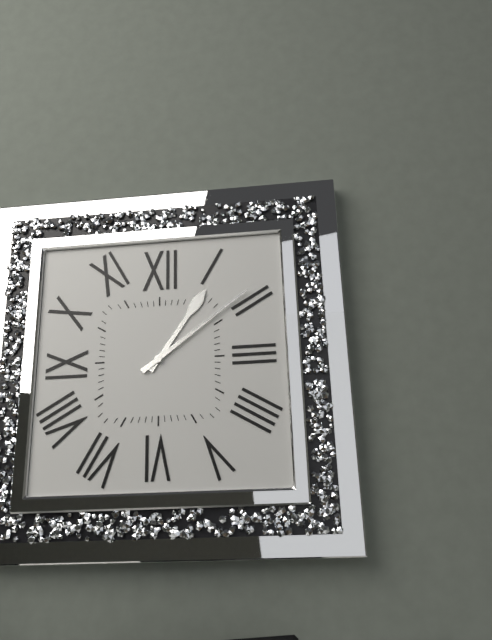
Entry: 1 h 09 min
